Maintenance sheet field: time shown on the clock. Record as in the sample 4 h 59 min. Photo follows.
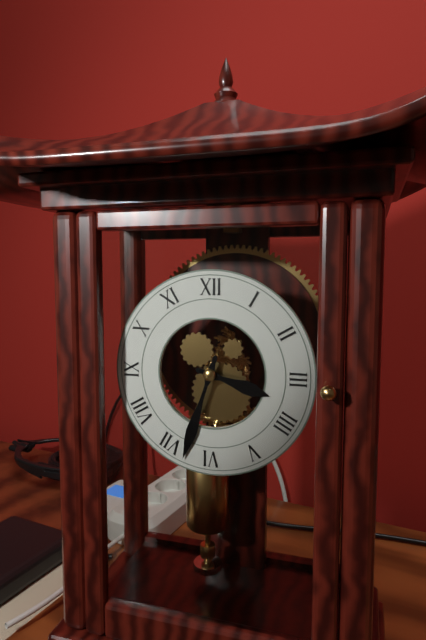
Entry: 3 h 33 min
